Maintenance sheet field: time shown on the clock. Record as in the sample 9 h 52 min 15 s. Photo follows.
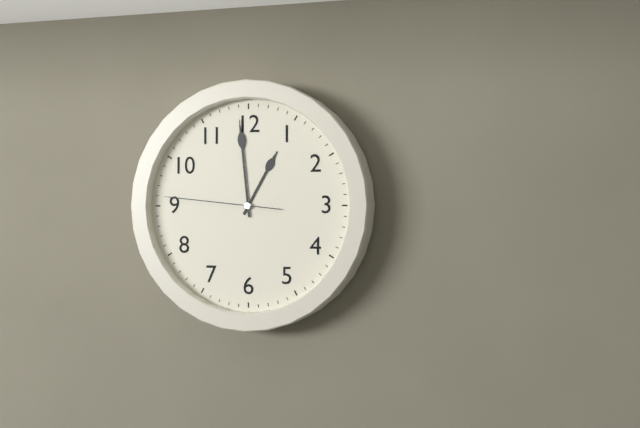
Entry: 12 h 59 min 46 s
